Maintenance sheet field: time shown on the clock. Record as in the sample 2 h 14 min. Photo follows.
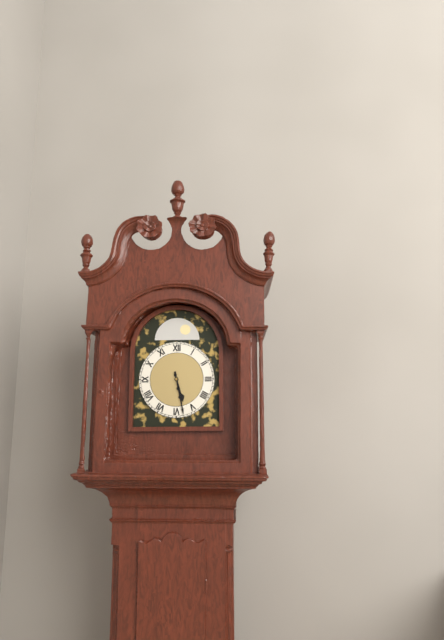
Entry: 5 h 28 min
